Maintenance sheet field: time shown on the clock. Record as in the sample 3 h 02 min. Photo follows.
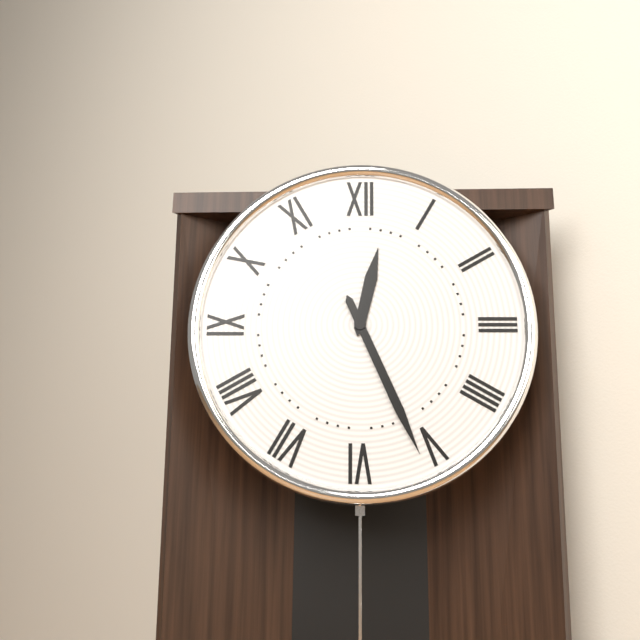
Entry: 12 h 26 min
